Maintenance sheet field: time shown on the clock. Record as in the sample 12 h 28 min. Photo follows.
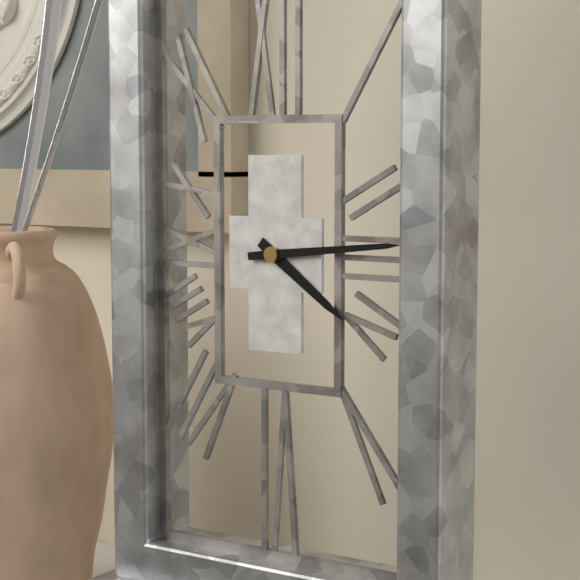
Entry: 4 h 14 min
